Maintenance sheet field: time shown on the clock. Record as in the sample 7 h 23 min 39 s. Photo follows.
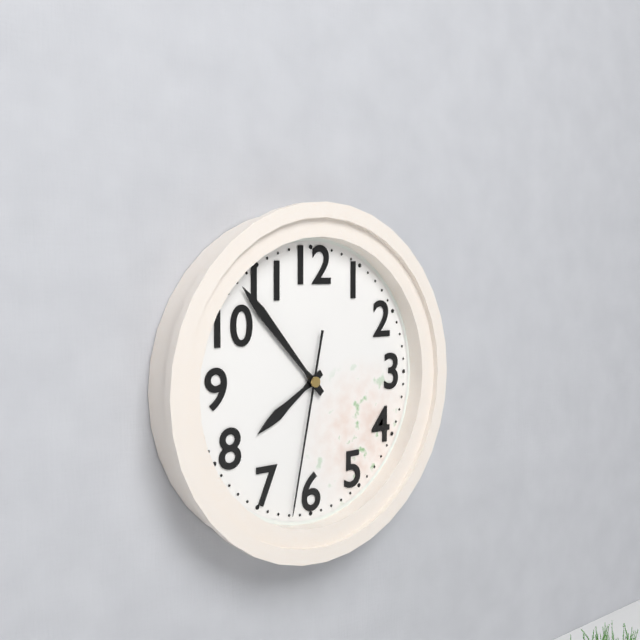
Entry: 7 h 53 min 32 s
